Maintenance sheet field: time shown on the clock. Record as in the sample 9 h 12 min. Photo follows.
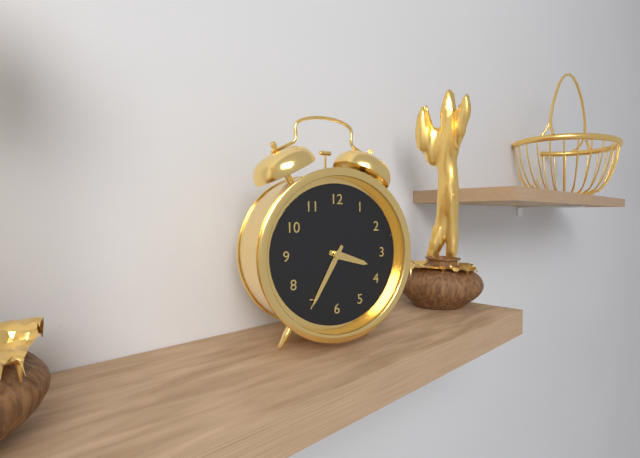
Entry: 3 h 35 min
